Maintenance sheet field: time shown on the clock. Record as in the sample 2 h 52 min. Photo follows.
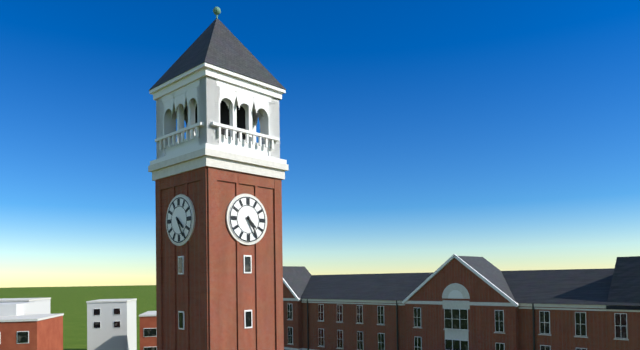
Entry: 4 h 25 min
